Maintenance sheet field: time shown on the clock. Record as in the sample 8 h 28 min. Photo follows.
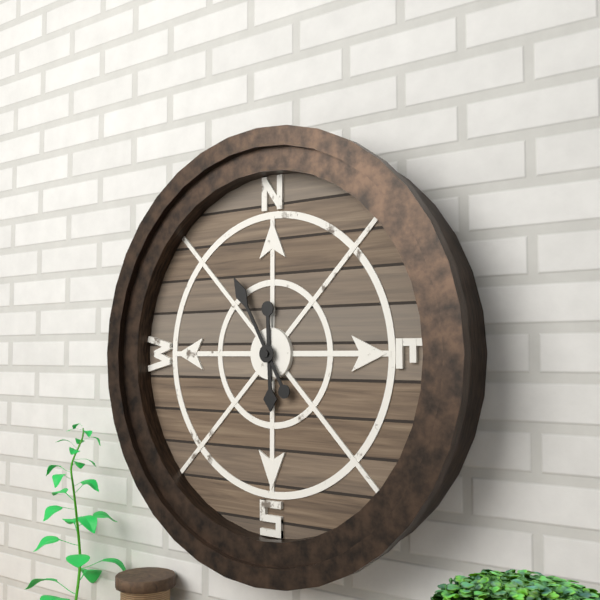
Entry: 5 h 55 min
